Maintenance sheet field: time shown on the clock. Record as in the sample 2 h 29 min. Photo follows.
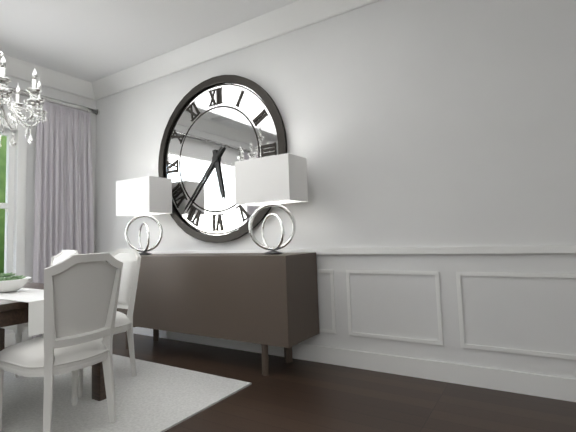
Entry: 5 h 37 min
